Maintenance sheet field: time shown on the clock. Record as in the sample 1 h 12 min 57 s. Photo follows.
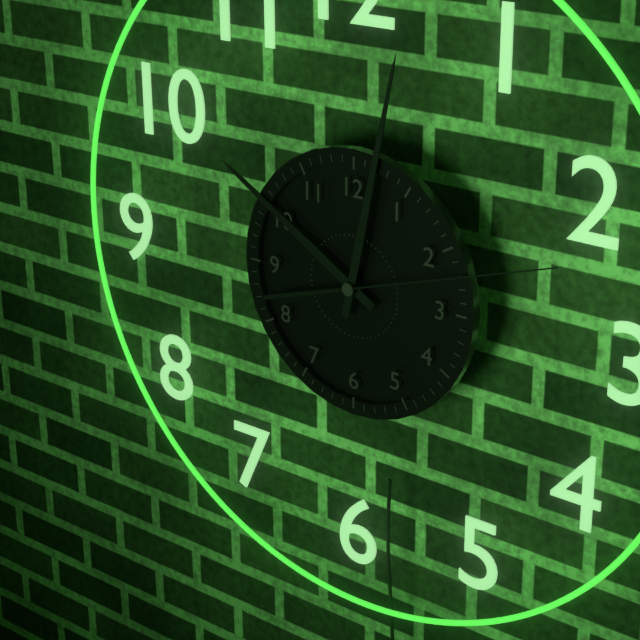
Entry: 10 h 02 min 12 s
